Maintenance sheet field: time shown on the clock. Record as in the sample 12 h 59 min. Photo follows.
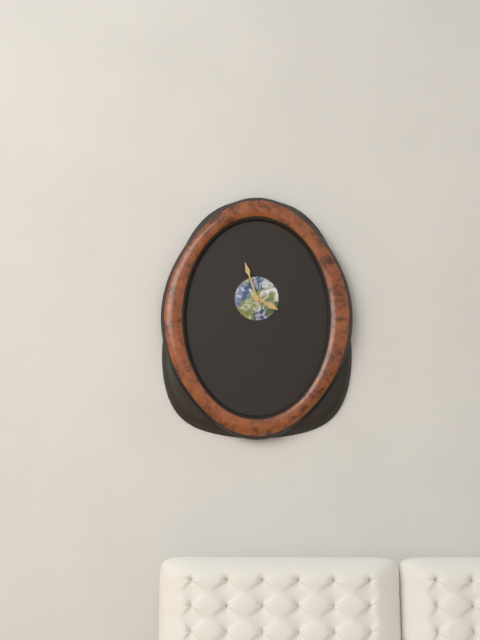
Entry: 3 h 57 min
